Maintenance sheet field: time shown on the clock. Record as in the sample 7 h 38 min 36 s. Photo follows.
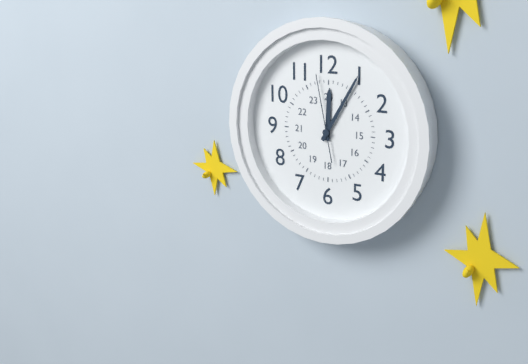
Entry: 12 h 05 min 58 s
